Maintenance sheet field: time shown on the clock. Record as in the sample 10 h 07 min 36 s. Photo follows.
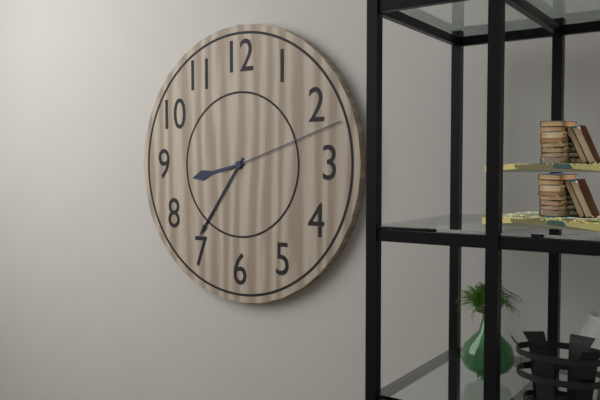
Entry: 8 h 36 min 12 s
